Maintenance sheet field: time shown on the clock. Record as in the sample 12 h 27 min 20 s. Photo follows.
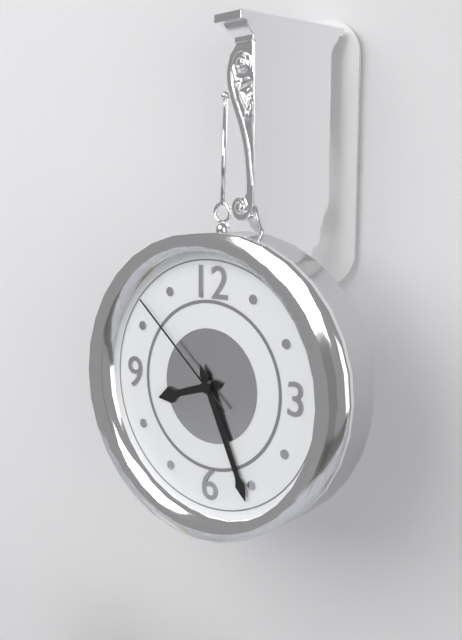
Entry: 8 h 26 min 52 s
